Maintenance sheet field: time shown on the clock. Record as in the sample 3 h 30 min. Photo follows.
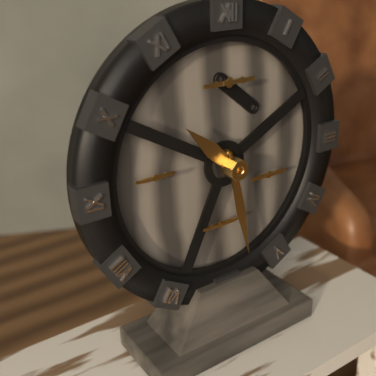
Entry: 10 h 28 min
